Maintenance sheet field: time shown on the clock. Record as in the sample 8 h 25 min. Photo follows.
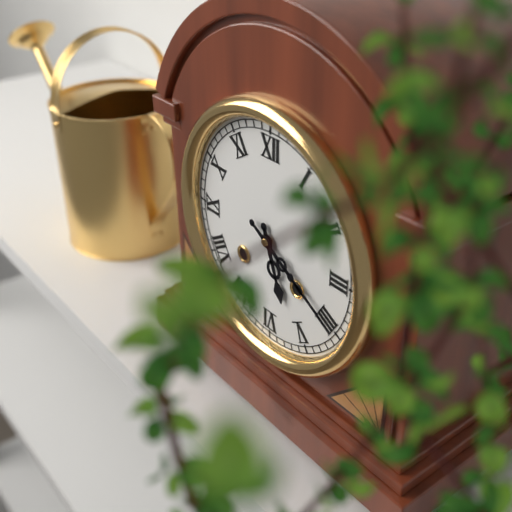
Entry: 5 h 20 min
